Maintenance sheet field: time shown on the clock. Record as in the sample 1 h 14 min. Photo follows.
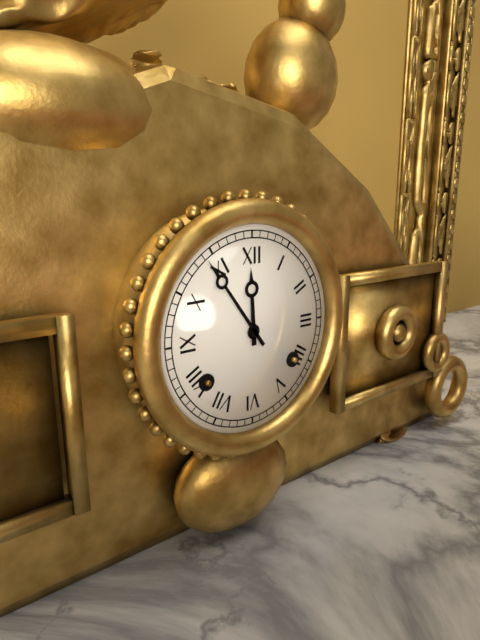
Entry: 11 h 54 min
